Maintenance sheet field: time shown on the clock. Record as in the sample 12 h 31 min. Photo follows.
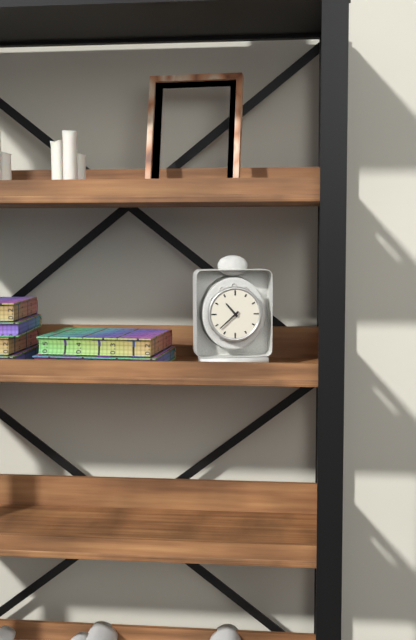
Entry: 10 h 38 min
